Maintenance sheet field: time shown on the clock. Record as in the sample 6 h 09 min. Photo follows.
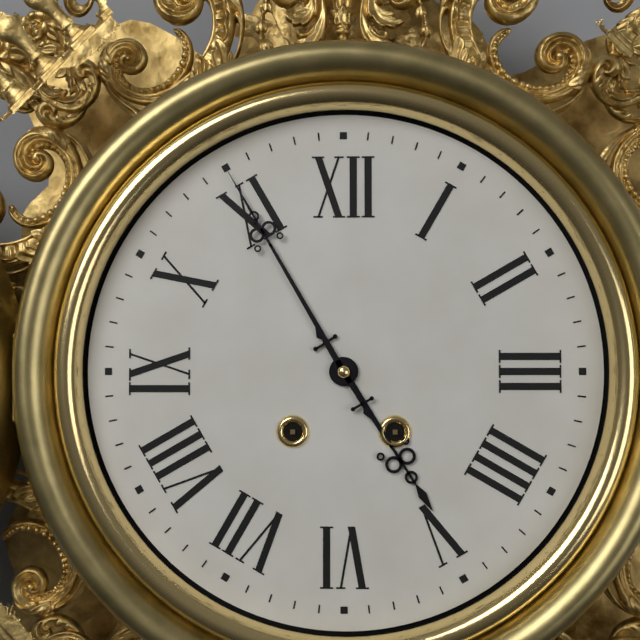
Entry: 4 h 55 min
